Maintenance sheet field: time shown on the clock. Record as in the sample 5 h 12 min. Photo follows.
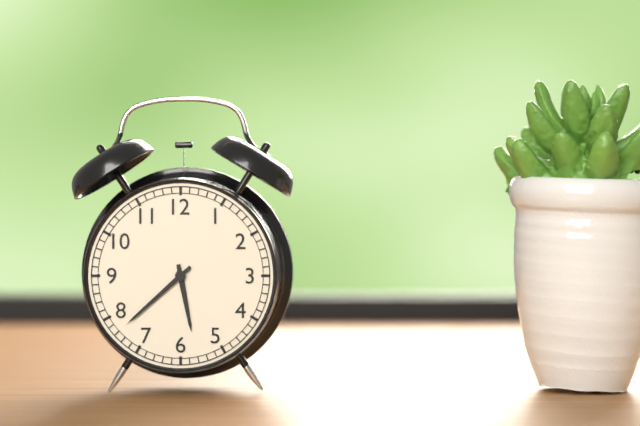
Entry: 5 h 38 min
